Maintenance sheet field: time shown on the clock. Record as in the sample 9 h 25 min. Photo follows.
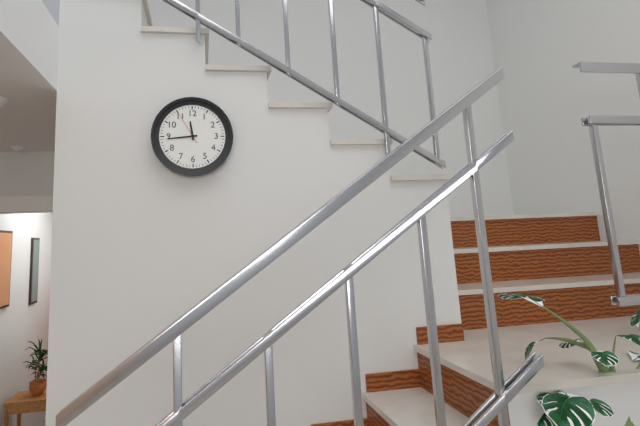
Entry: 11 h 44 min
